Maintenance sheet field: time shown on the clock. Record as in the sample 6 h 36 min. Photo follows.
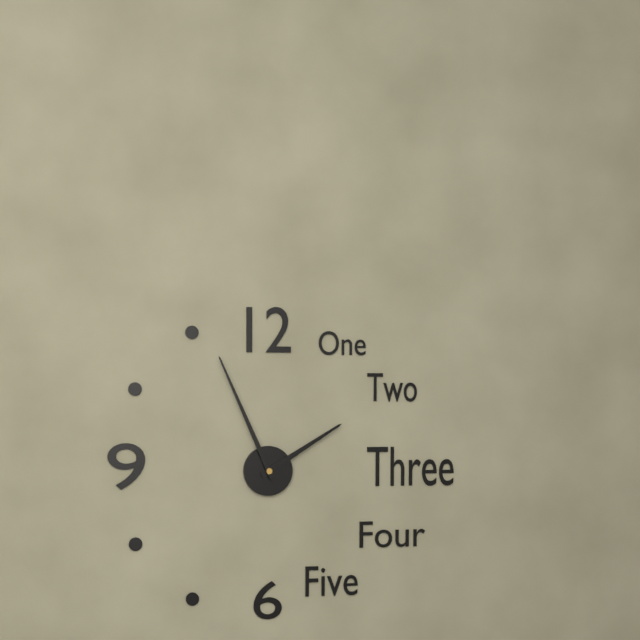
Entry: 1 h 56 min
